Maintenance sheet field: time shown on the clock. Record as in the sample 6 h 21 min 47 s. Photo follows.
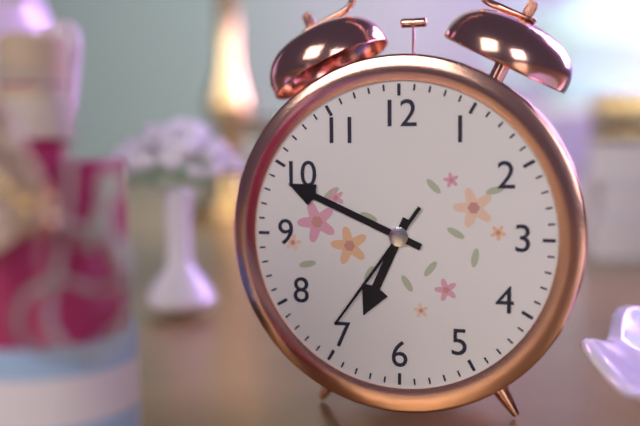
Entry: 6 h 49 min 36 s
